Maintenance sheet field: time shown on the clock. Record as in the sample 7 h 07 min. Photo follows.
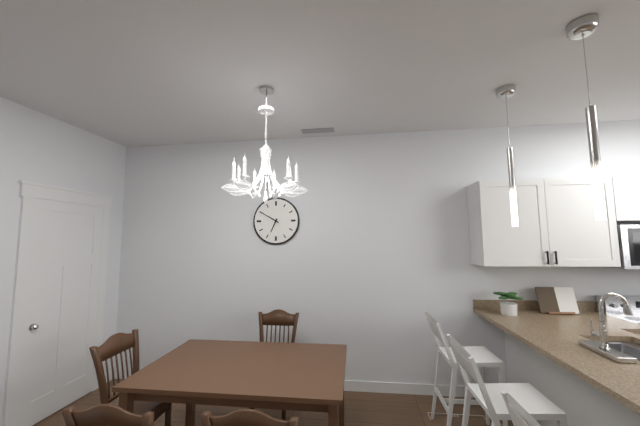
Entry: 6 h 50 min
